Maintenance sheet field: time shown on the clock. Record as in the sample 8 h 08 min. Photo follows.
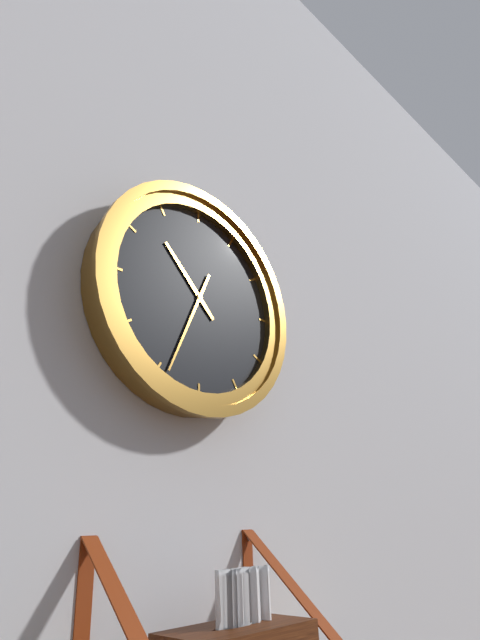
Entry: 10 h 34 min
